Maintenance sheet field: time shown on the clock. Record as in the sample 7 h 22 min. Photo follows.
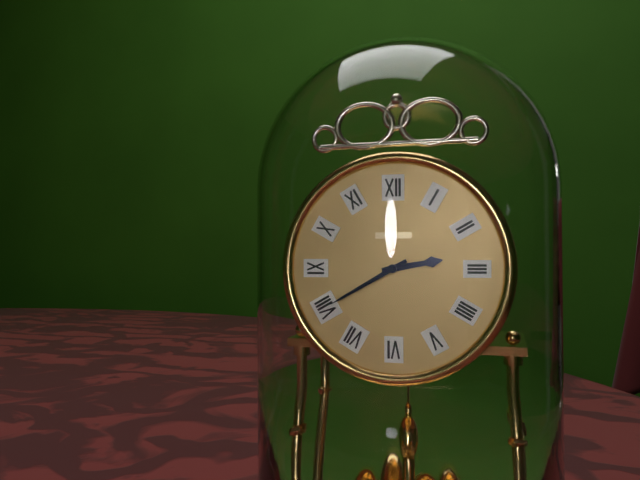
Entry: 2 h 40 min
